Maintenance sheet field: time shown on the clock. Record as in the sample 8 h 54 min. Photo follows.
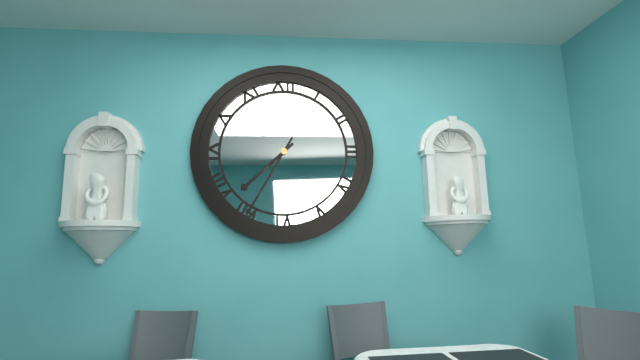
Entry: 7 h 35 min
